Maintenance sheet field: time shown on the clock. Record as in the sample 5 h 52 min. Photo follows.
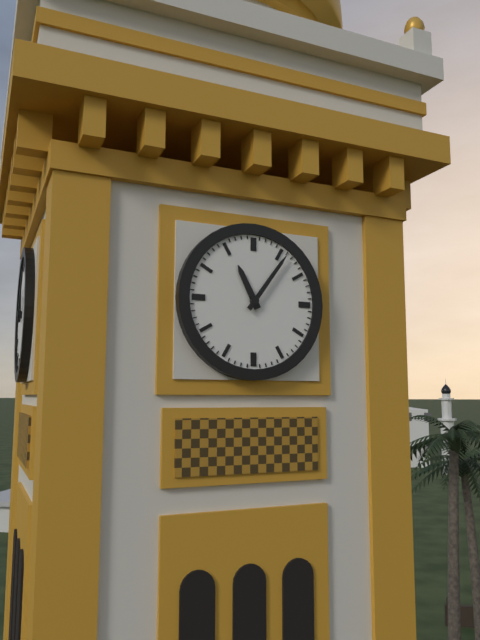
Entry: 11 h 06 min
